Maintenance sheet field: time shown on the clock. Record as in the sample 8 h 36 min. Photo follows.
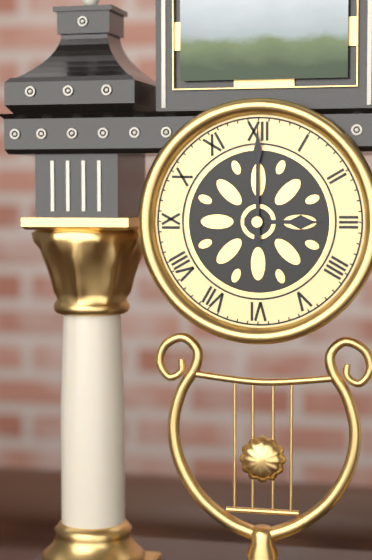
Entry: 3 h 00 min
